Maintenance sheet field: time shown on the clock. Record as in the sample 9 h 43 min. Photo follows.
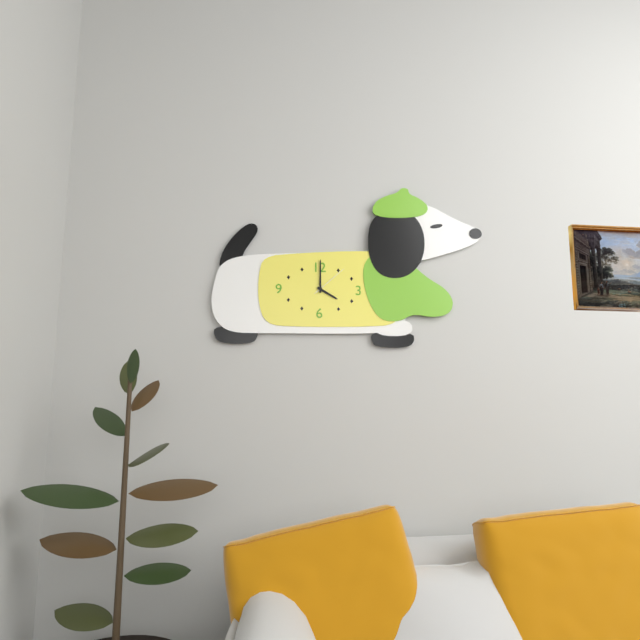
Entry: 4 h 00 min
